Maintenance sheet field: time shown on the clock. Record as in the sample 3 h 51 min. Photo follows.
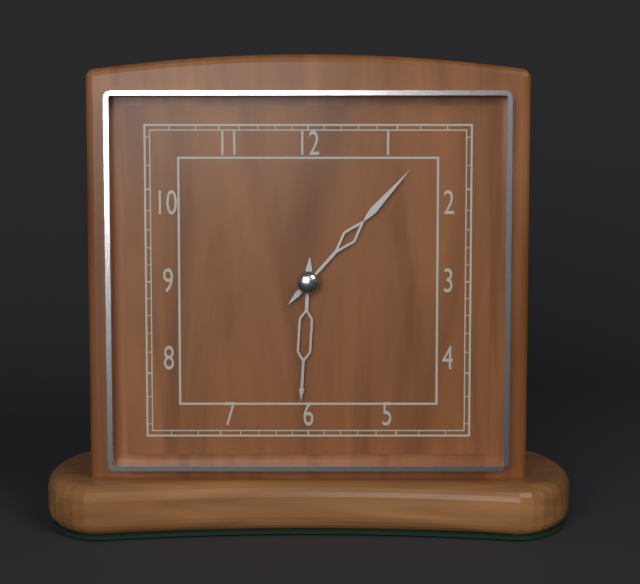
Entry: 6 h 07 min
